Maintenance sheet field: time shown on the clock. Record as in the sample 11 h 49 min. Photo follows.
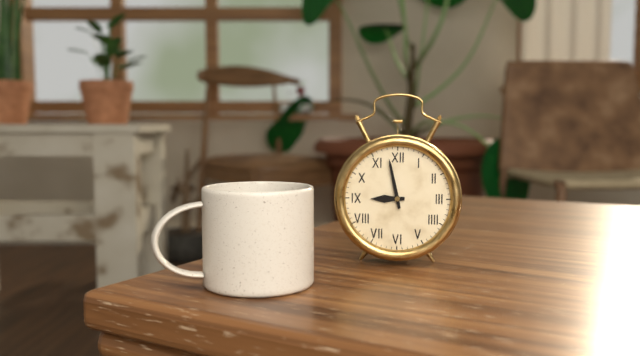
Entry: 8 h 58 min
